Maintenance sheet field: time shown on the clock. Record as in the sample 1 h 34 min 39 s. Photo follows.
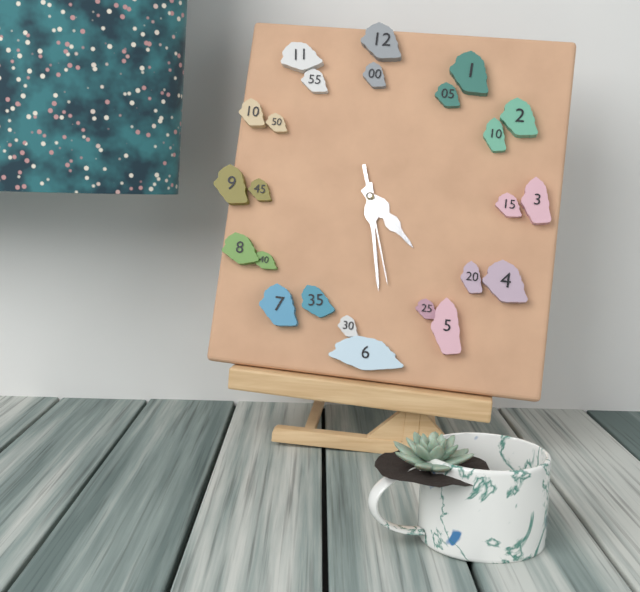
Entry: 4 h 28 min 27 s
